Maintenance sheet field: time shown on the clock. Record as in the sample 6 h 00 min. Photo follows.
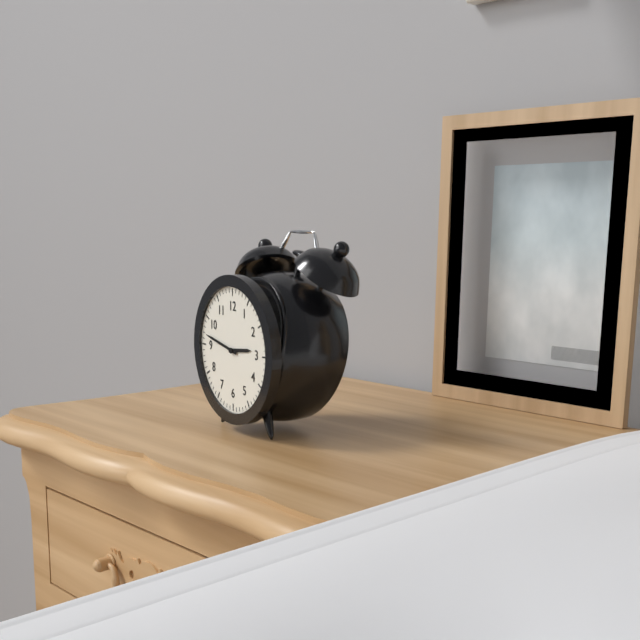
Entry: 2 h 47 min
